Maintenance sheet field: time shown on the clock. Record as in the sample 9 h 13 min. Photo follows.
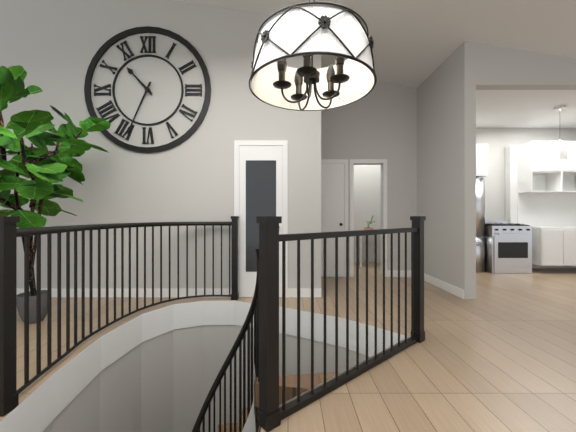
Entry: 10 h 34 min
